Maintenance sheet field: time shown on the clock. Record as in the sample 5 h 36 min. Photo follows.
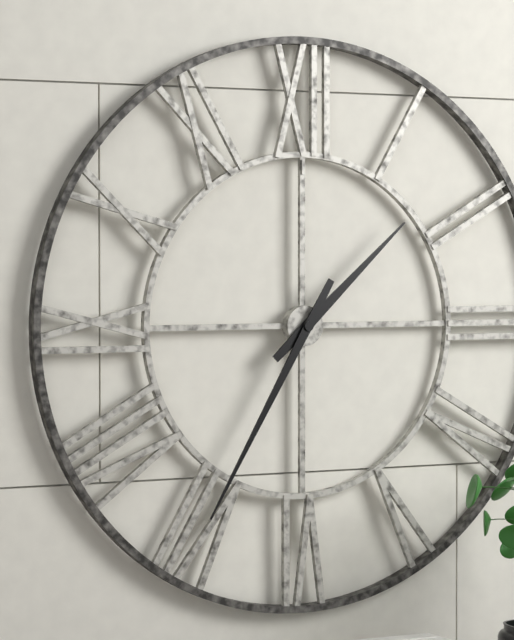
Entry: 1 h 35 min
